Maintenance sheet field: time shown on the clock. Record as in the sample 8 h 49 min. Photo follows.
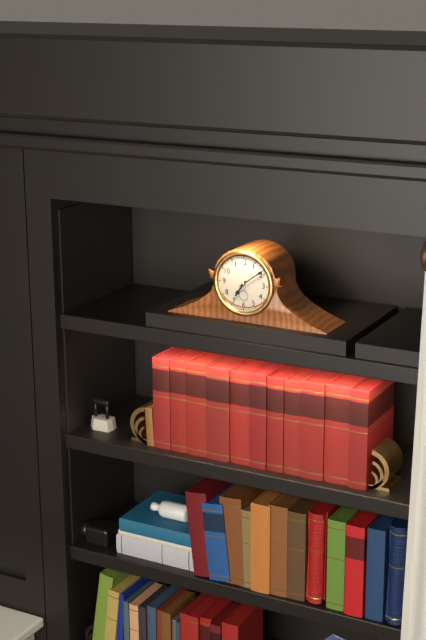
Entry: 7 h 09 min
